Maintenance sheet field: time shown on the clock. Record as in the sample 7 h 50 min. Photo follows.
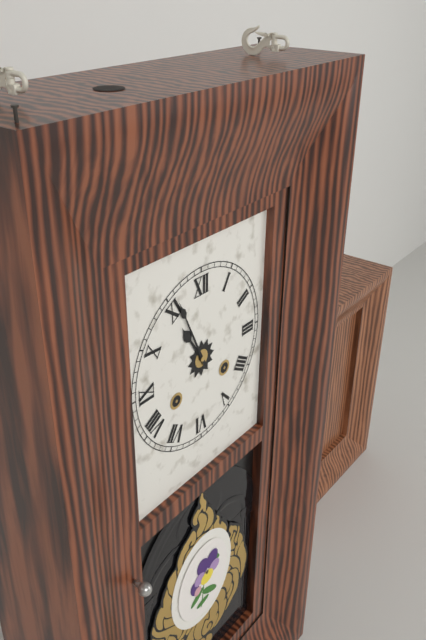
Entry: 10 h 56 min
